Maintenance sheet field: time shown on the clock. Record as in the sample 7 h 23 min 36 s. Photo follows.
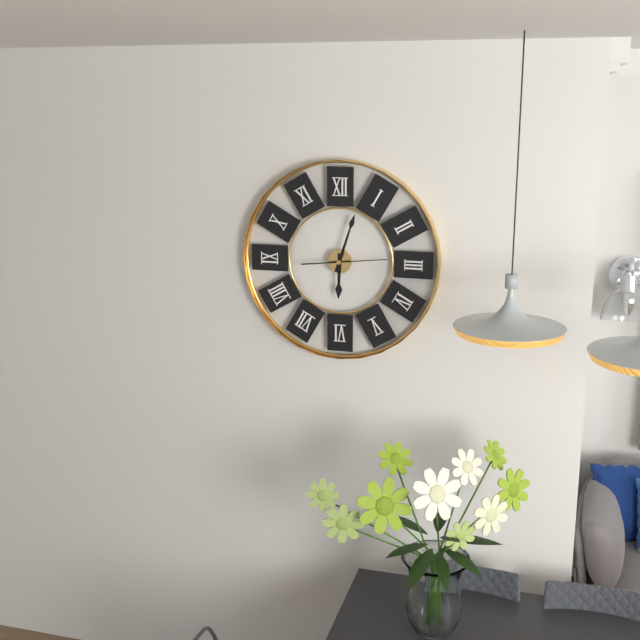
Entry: 6 h 03 min 14 s
